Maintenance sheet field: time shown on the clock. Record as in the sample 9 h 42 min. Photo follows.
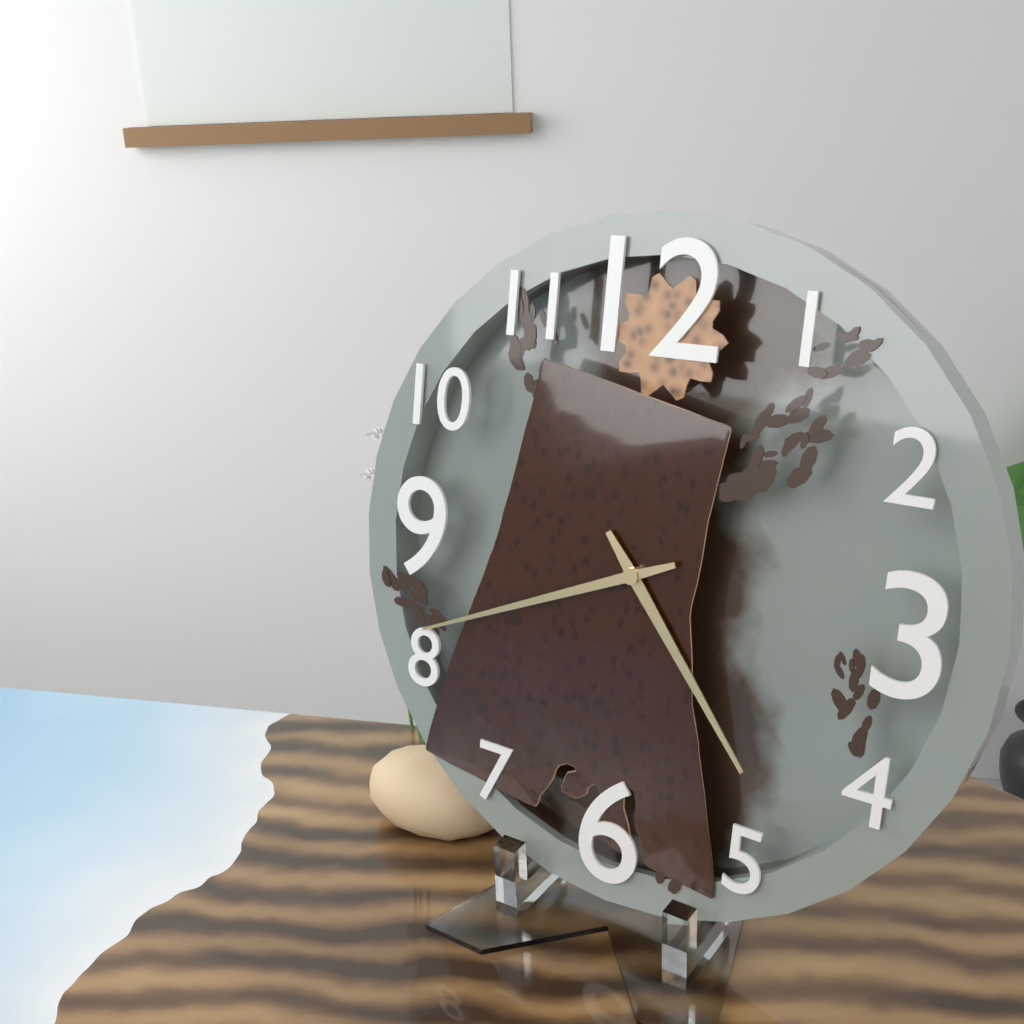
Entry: 4 h 41 min
